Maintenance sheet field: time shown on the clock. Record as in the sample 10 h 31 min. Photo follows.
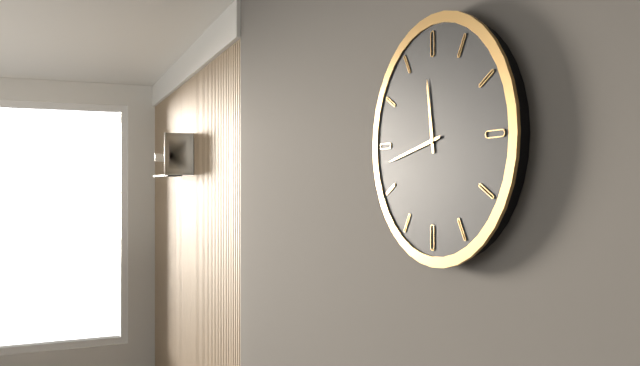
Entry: 11 h 43 min
